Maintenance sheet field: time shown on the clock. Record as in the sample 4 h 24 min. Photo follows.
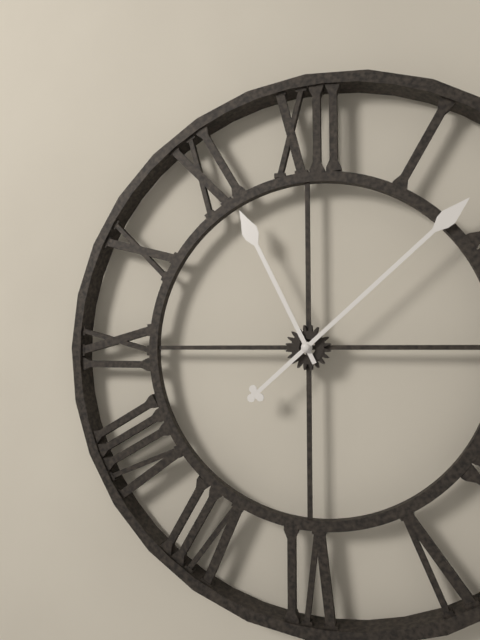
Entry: 11 h 08 min
